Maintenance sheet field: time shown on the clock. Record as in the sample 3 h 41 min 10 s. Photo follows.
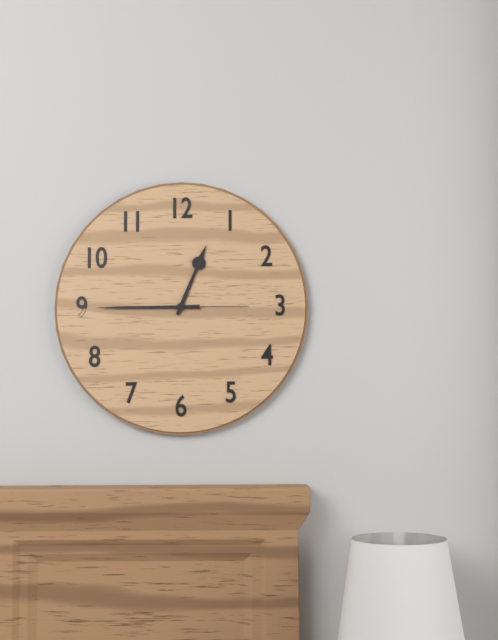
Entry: 12 h 45 min 15 s
